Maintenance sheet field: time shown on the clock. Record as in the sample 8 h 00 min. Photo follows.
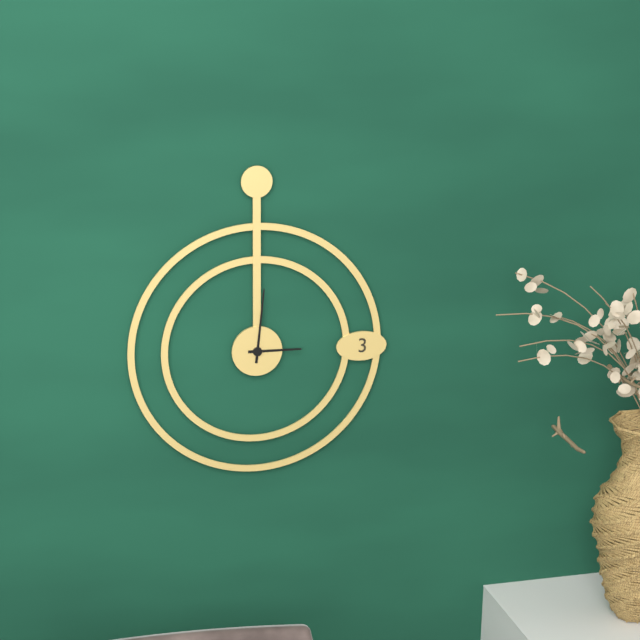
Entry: 3 h 01 min
